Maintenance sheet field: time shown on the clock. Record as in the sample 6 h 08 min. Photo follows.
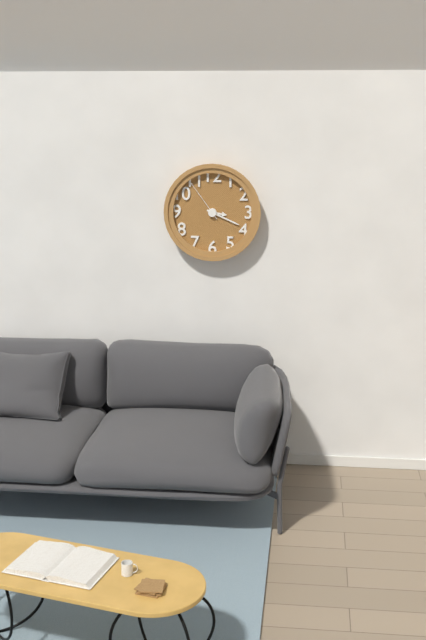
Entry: 3 h 19 min
